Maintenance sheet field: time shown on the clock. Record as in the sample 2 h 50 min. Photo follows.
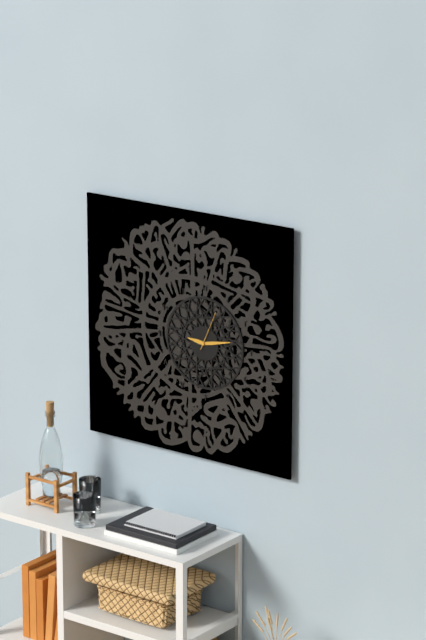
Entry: 9 h 13 min
